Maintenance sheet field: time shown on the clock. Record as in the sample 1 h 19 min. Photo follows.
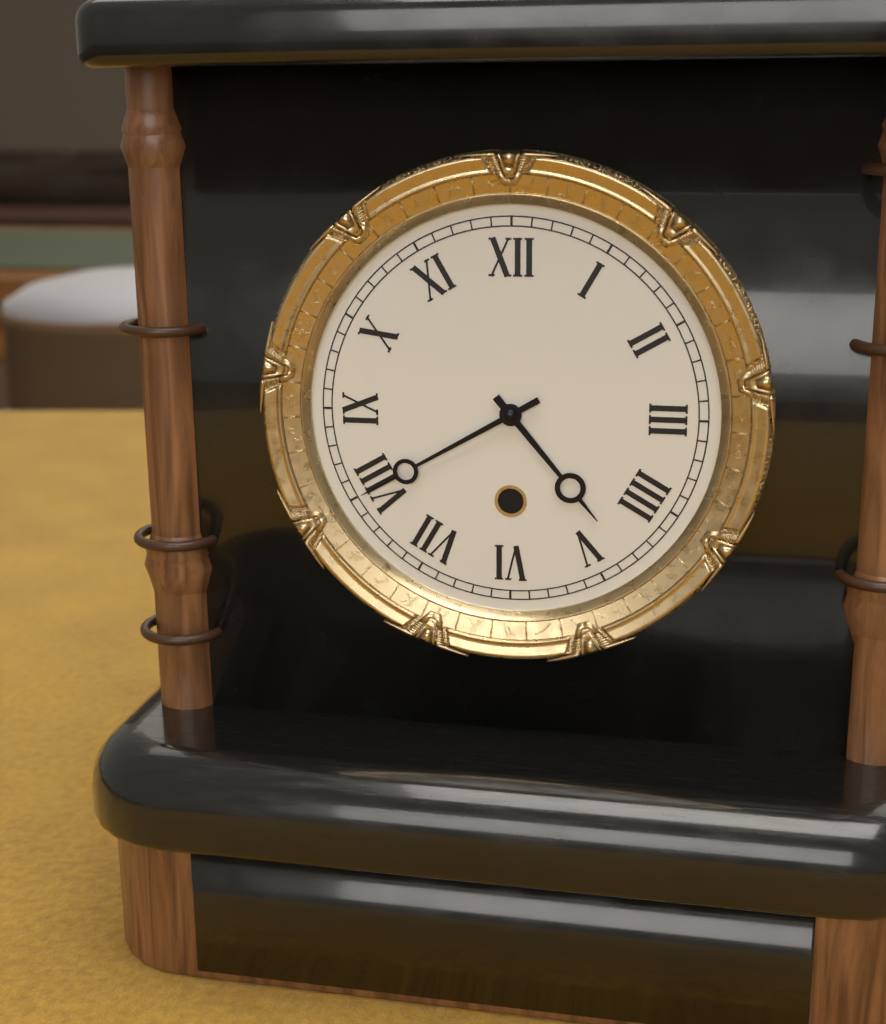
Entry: 4 h 40 min
